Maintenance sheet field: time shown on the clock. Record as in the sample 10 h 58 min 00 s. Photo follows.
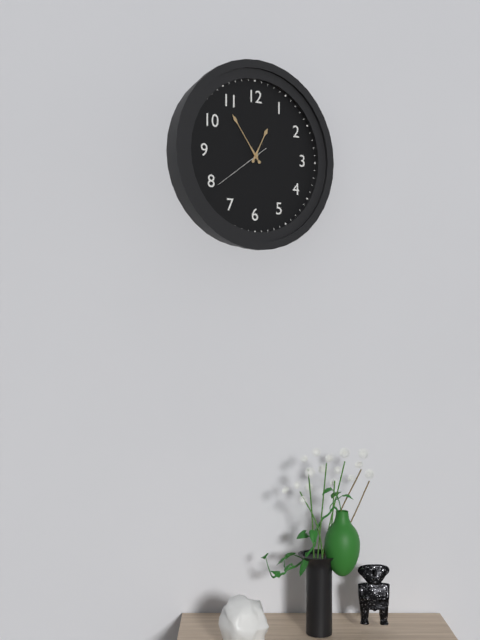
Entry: 12 h 54 min 39 s
